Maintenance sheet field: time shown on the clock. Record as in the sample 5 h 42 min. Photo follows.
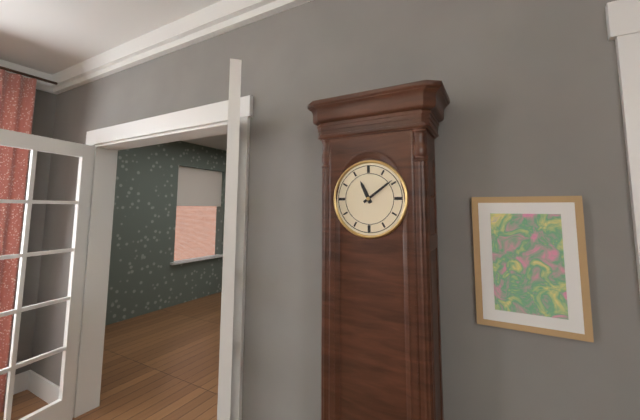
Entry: 11 h 09 min
